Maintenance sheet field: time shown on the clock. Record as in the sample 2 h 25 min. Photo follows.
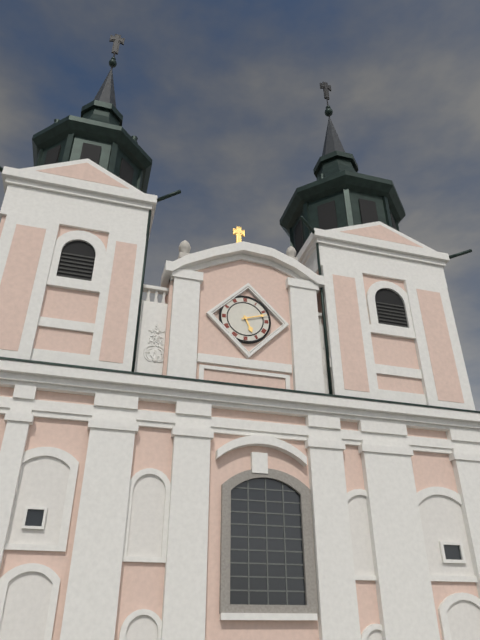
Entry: 5 h 12 min
